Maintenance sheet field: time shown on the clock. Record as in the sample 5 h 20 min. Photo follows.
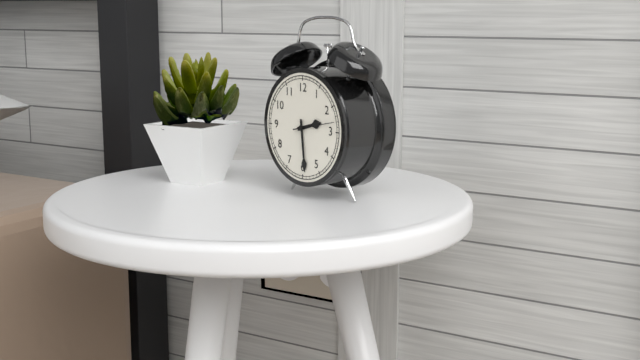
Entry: 2 h 29 min
